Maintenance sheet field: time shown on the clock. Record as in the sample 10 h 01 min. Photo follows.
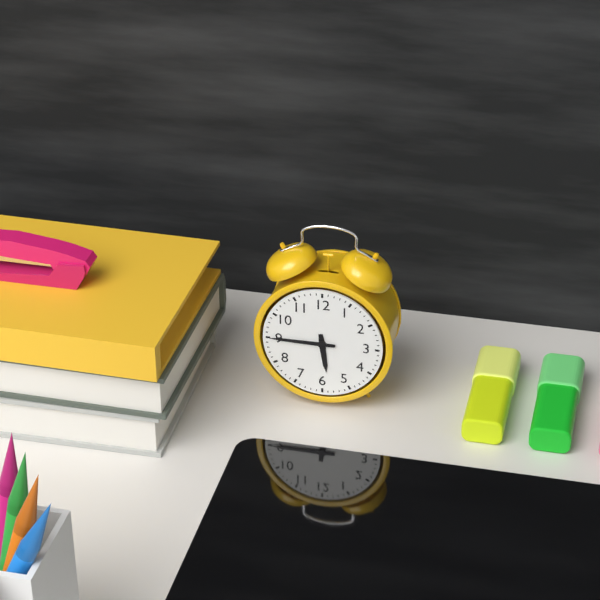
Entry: 5 h 45 min
